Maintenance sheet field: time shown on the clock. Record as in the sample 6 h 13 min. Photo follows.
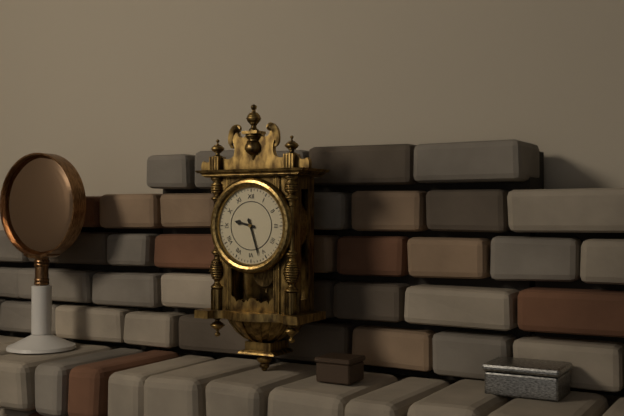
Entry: 9 h 27 min
